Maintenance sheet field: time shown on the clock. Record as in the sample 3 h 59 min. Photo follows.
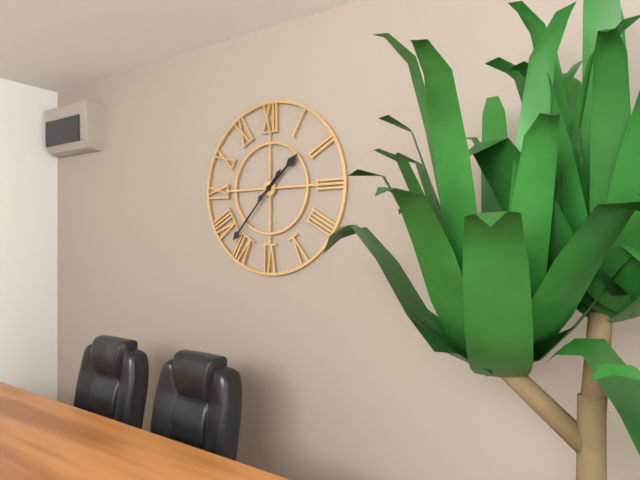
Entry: 1 h 37 min
